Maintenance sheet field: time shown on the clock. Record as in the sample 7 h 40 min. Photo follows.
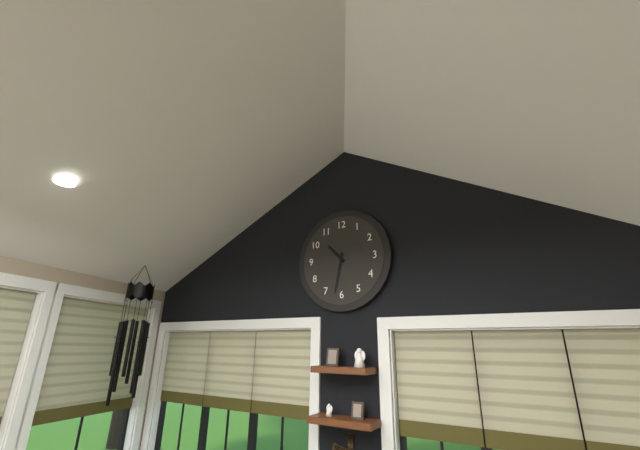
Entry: 10 h 32 min
